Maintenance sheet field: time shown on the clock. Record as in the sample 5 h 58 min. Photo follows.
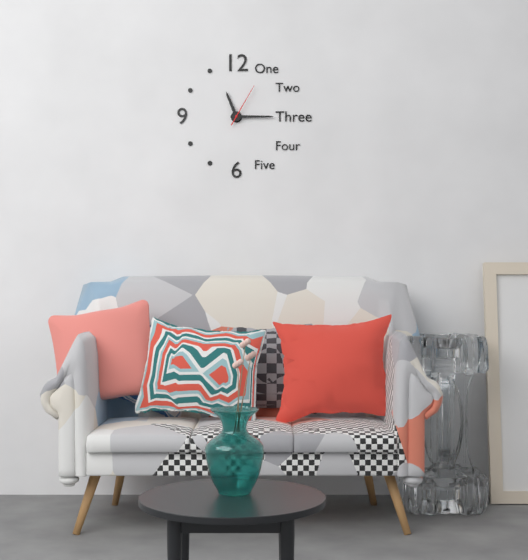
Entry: 11 h 15 min
